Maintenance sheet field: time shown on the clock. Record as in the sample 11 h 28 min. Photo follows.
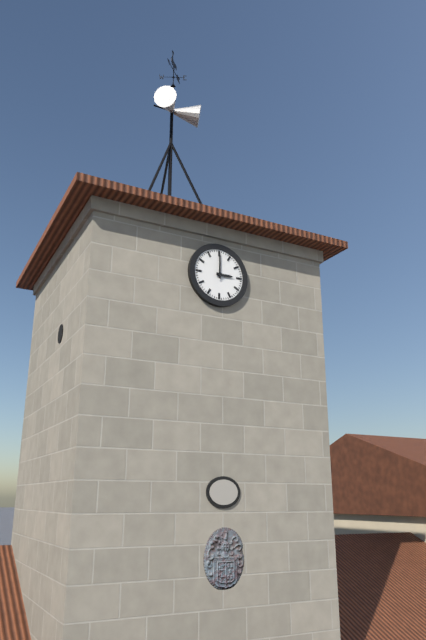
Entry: 3 h 00 min
